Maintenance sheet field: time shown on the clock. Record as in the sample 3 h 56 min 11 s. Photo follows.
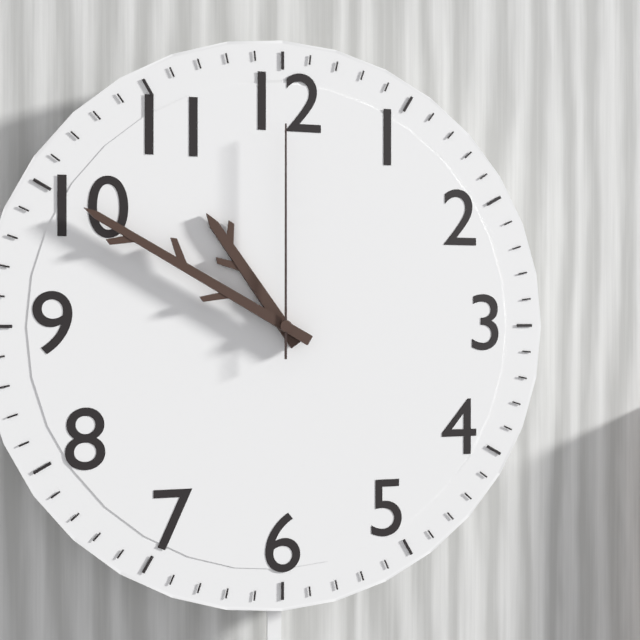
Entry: 10 h 50 min 00 s
